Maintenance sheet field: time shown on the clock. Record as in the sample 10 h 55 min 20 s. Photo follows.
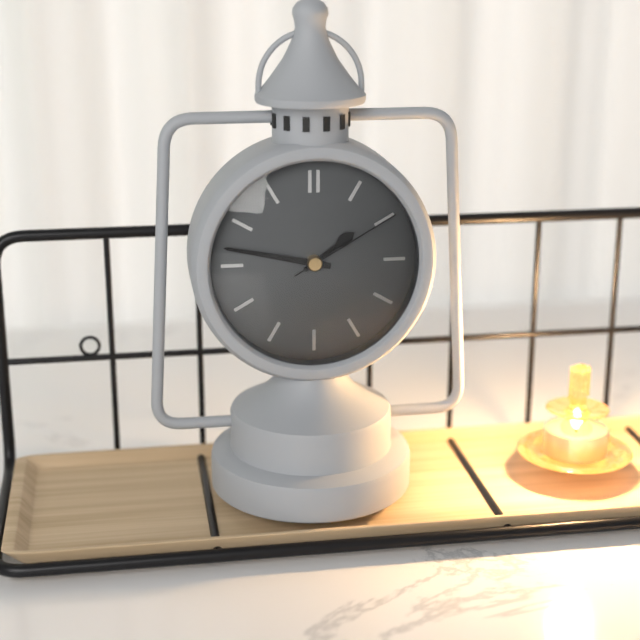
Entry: 1 h 47 min 10 s
